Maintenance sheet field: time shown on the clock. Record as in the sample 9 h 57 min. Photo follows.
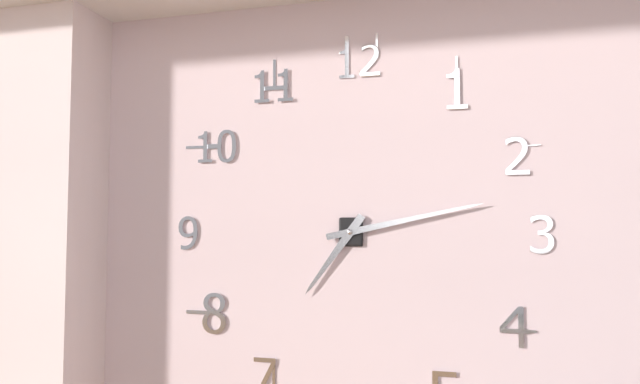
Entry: 7 h 13 min
